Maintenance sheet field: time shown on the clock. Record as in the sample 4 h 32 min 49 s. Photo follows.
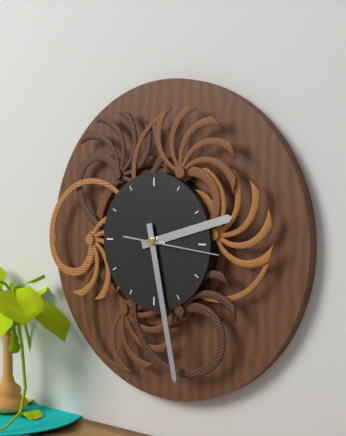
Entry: 2 h 28 min 16 s
